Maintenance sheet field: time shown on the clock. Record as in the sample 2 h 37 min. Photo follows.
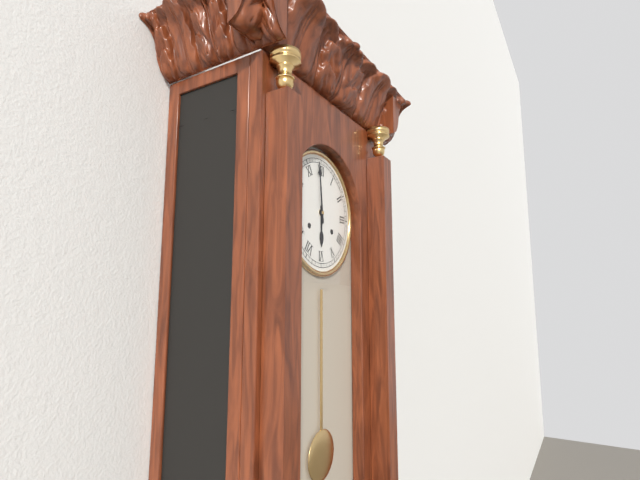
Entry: 5 h 59 min
